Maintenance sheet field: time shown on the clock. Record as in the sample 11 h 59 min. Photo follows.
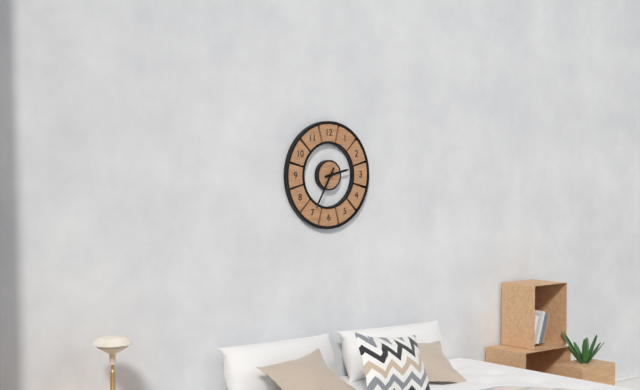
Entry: 2 h 35 min
